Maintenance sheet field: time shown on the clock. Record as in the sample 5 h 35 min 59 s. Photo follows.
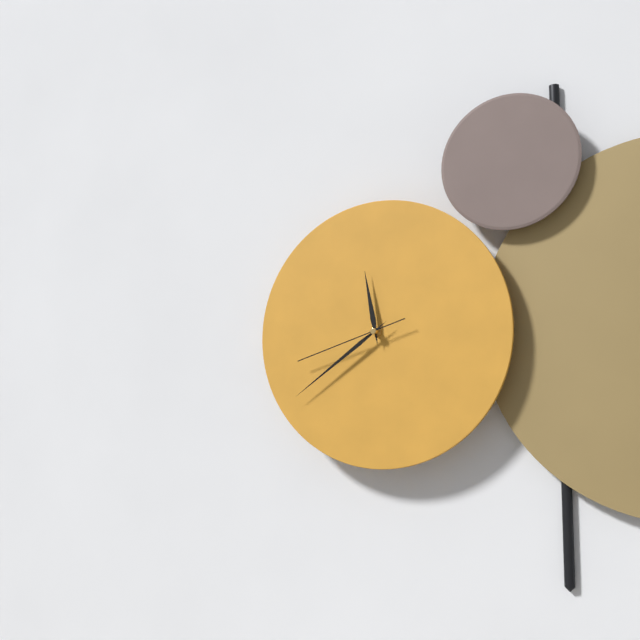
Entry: 11 h 39 min 42 s
